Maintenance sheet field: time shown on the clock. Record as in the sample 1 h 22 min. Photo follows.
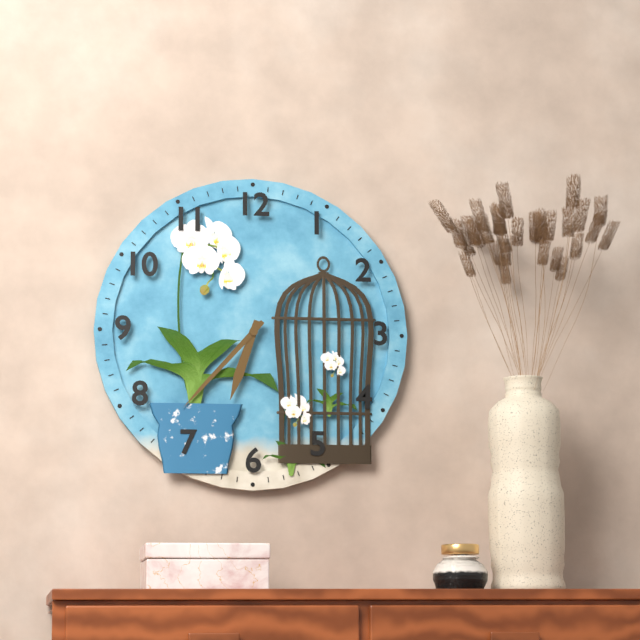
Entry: 6 h 37 min
